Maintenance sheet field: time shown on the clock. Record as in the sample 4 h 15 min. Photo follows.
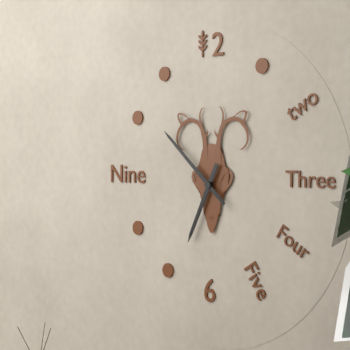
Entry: 6 h 52 min
